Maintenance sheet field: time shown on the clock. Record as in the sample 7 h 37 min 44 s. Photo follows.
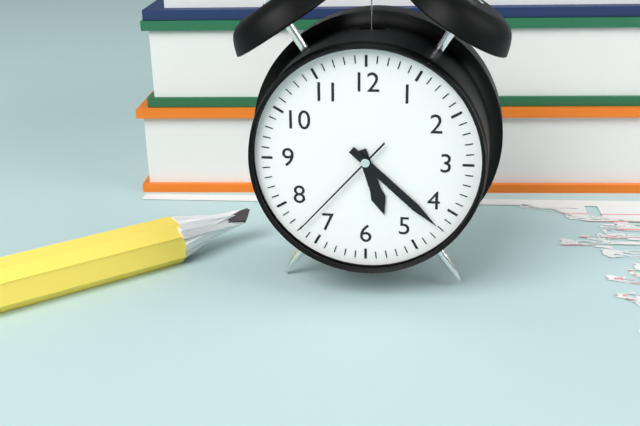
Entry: 5 h 22 min 37 s
